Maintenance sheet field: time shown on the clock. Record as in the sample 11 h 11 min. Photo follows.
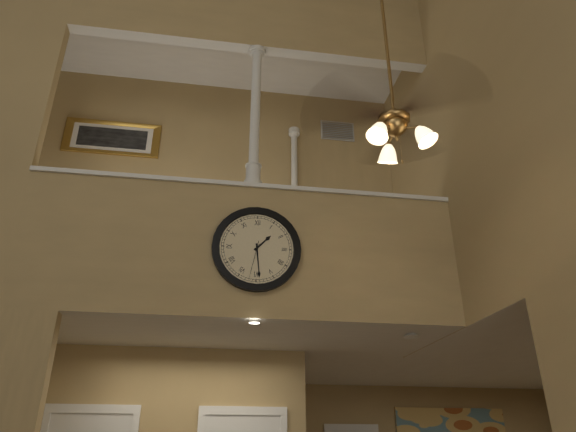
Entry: 1 h 29 min
